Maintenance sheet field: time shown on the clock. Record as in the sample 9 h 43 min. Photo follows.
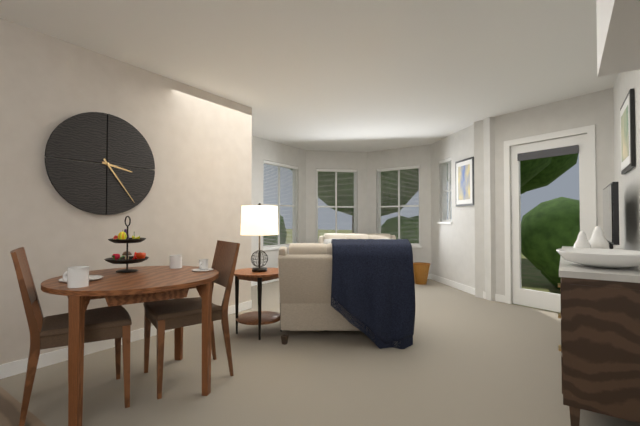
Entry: 3 h 24 min
